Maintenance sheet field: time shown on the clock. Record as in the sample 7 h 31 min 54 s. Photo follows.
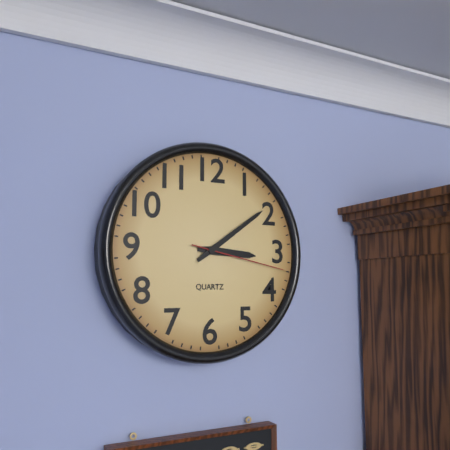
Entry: 3 h 09 min 17 s
